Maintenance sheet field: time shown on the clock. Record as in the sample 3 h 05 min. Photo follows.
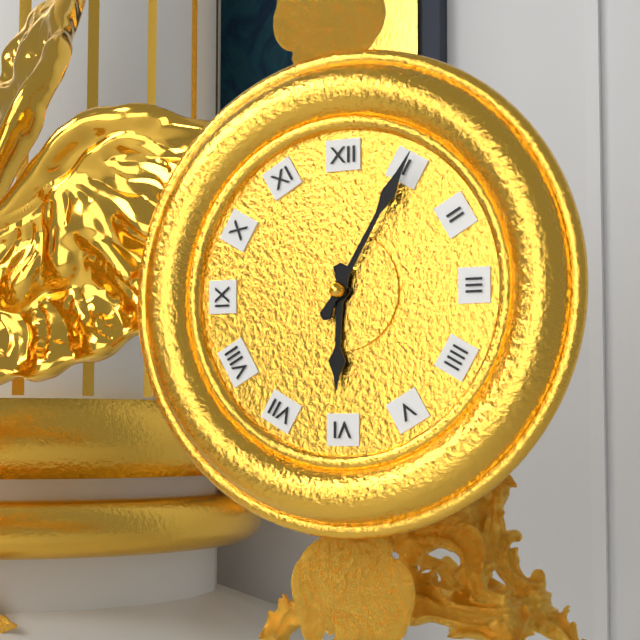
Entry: 6 h 05 min
